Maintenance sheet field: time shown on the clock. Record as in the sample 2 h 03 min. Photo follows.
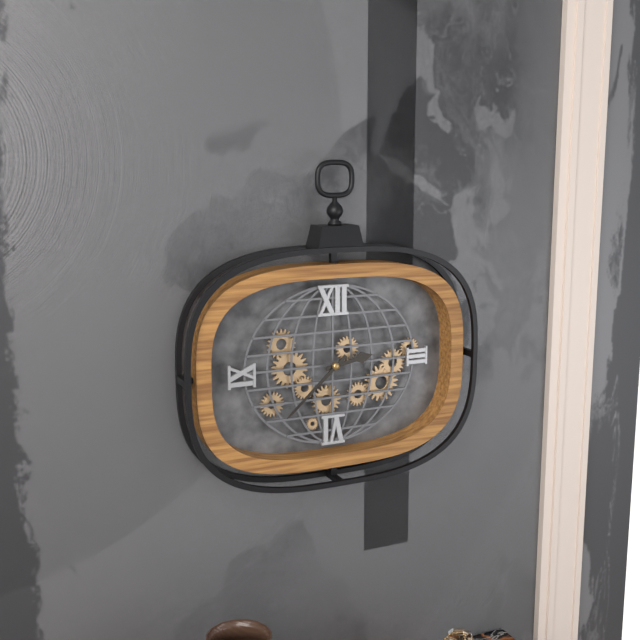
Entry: 2 h 38 min
